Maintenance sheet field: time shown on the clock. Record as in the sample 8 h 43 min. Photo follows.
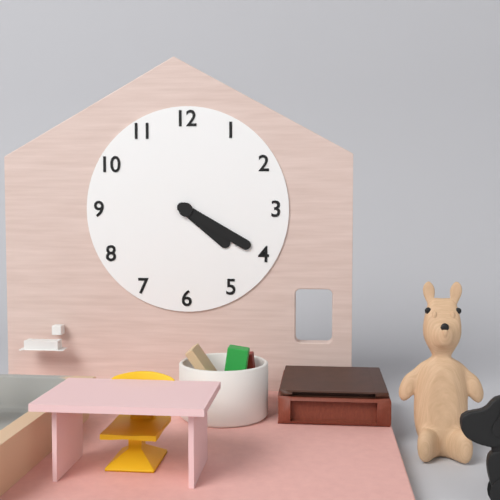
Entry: 4 h 20 min
